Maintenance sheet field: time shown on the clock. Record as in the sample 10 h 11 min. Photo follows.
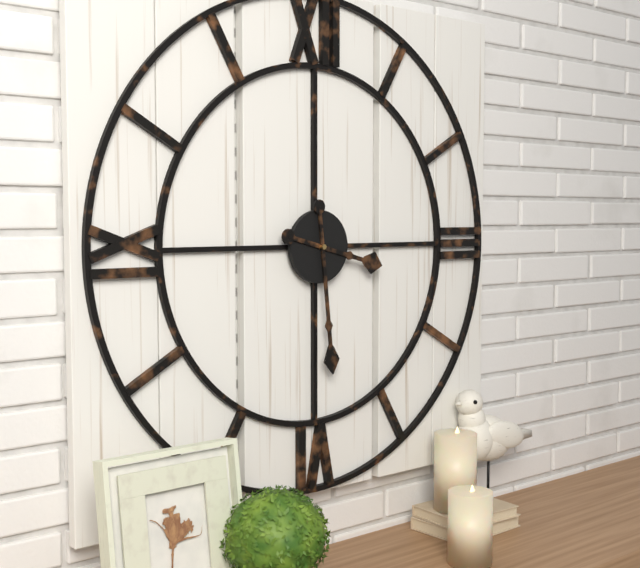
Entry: 3 h 29 min
